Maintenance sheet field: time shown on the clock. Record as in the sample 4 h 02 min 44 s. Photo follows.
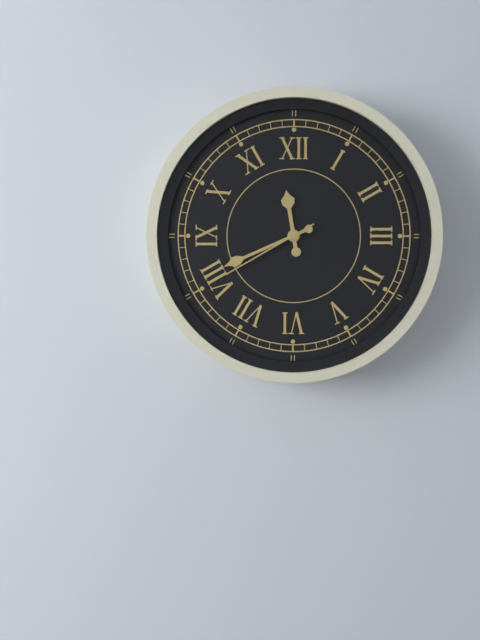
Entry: 11 h 41 min 40 s
